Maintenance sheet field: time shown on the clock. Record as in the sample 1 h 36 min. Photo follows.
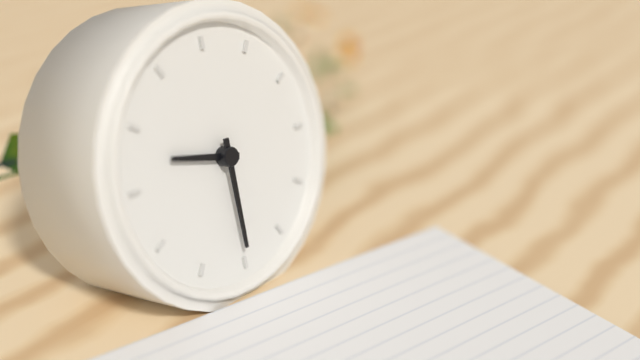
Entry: 9 h 30 min
